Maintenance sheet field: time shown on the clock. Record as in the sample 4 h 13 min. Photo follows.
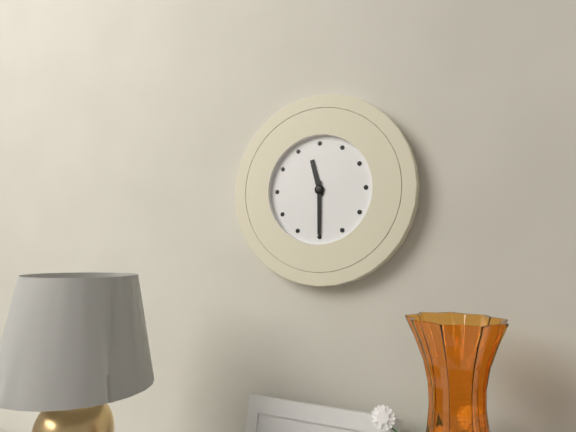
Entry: 11 h 30 min
